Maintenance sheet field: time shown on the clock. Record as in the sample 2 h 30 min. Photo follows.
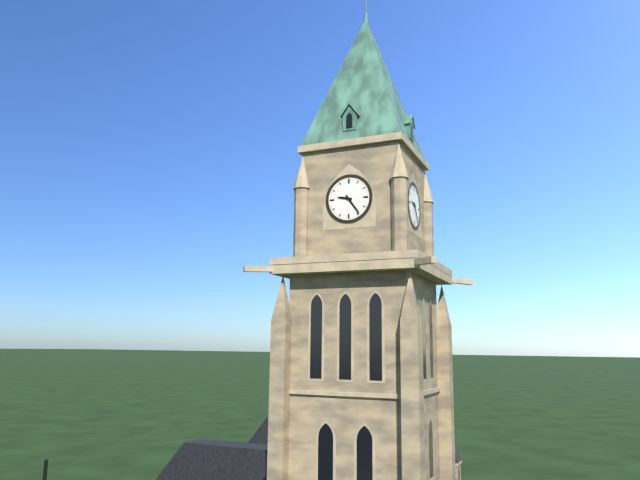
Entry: 9 h 24 min
